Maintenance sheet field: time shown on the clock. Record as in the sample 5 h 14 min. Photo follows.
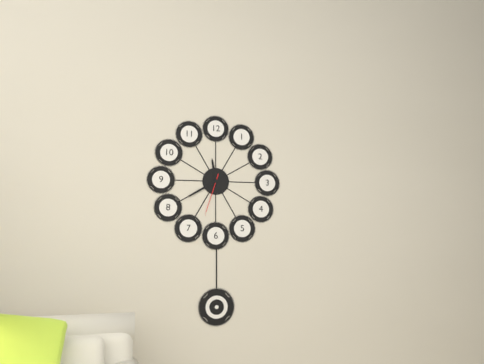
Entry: 11 h 40 min
